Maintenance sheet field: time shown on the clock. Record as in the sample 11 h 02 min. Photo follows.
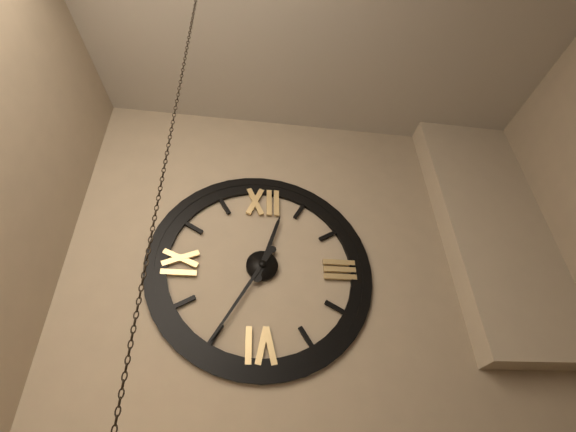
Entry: 12 h 35 min
